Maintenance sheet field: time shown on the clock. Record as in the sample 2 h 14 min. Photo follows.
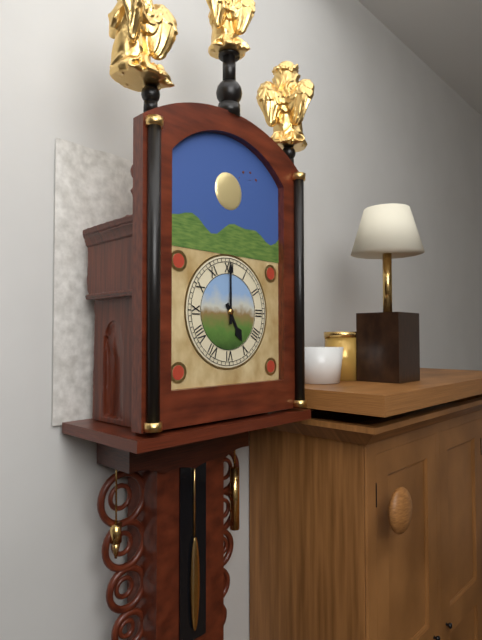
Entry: 5 h 00 min
